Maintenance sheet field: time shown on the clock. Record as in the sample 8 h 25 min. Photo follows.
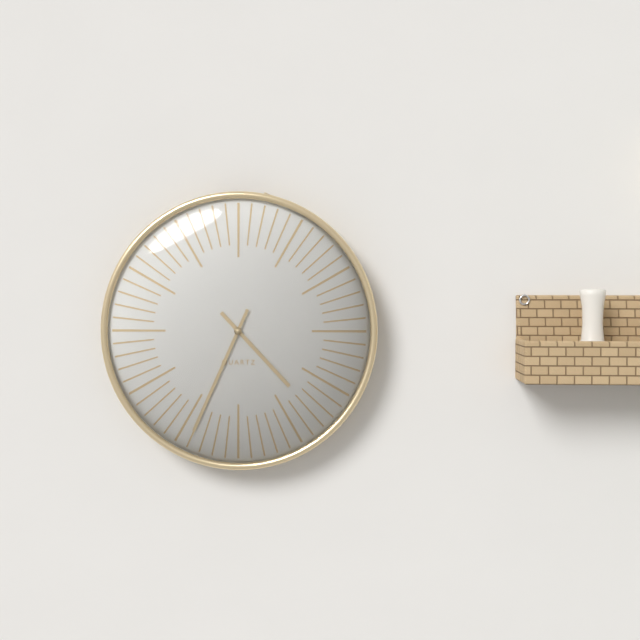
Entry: 4 h 34 min
